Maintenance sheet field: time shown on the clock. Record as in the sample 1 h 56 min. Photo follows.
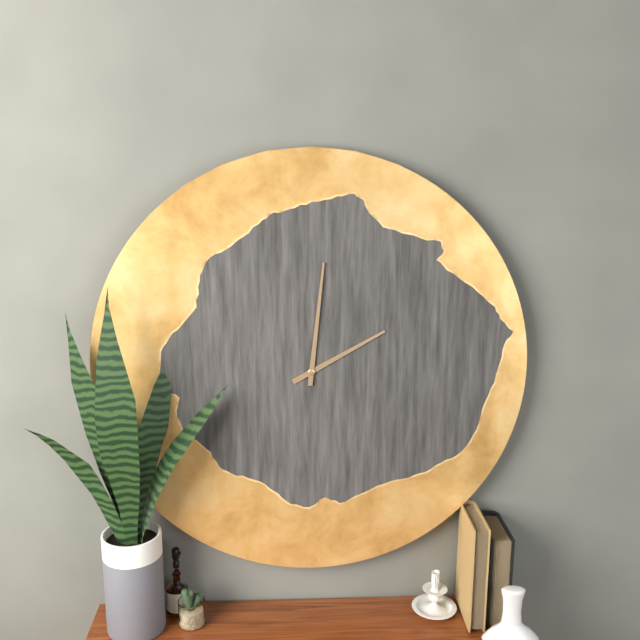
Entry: 2 h 01 min
